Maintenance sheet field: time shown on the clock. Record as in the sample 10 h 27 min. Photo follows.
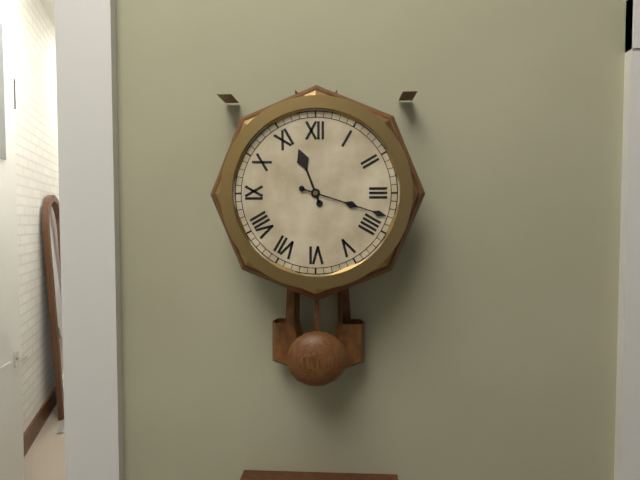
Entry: 11 h 18 min
